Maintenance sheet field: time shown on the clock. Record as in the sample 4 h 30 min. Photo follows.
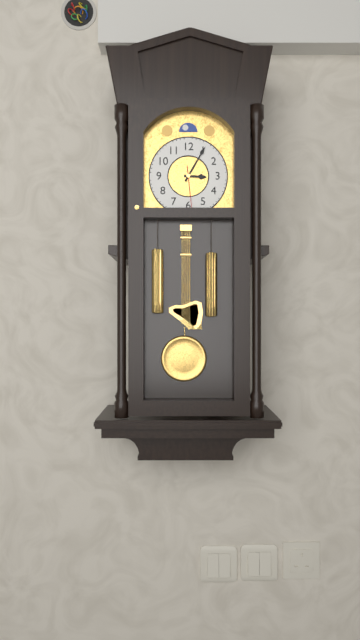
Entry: 3 h 05 min
